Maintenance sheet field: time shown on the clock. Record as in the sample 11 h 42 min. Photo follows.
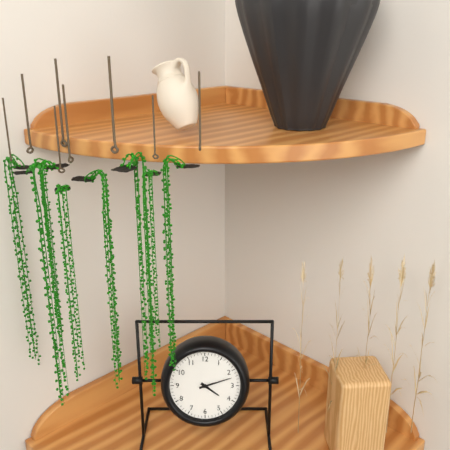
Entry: 4 h 12 min
